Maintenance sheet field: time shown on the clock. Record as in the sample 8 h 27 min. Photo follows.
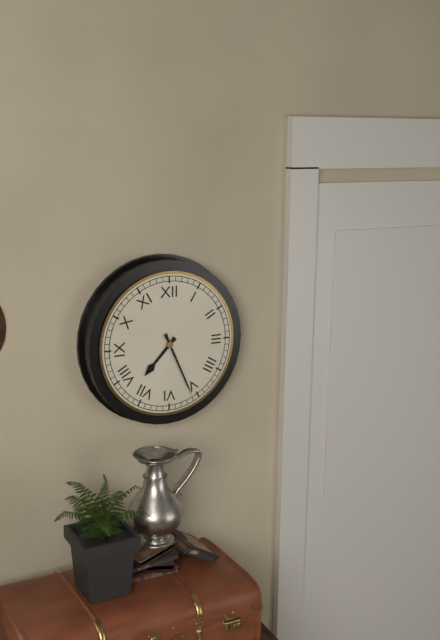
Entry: 7 h 26 min
